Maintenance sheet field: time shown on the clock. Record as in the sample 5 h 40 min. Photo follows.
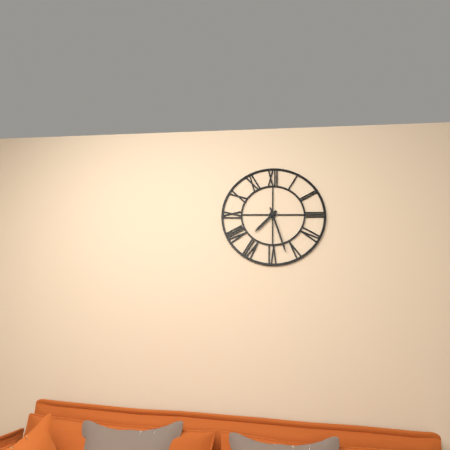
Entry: 7 h 27 min
